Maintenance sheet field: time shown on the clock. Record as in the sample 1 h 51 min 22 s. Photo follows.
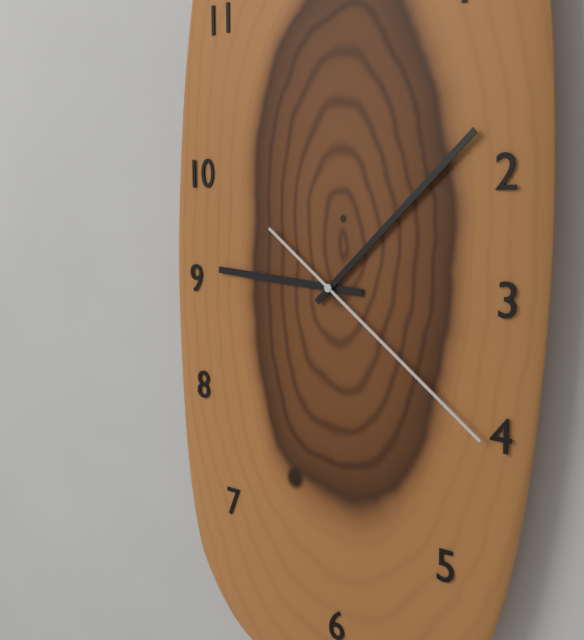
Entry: 9 h 08 min 21 s
